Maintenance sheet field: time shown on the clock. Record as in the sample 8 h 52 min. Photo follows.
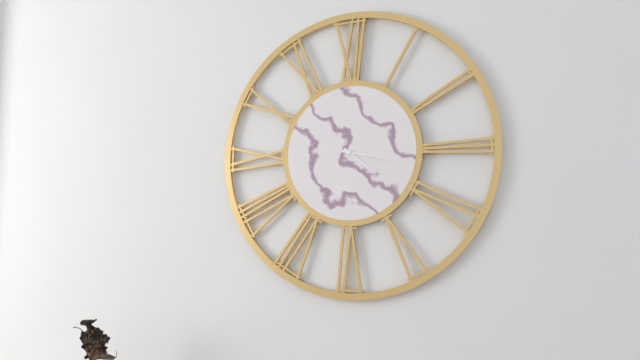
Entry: 4 h 17 min
